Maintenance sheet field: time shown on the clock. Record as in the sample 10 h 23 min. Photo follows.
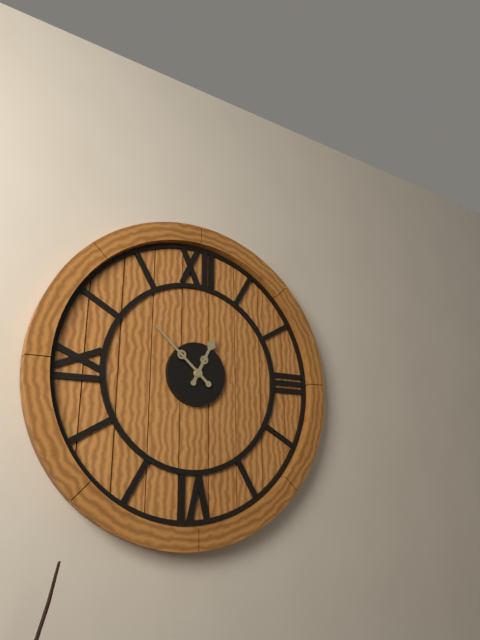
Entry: 12 h 52 min
